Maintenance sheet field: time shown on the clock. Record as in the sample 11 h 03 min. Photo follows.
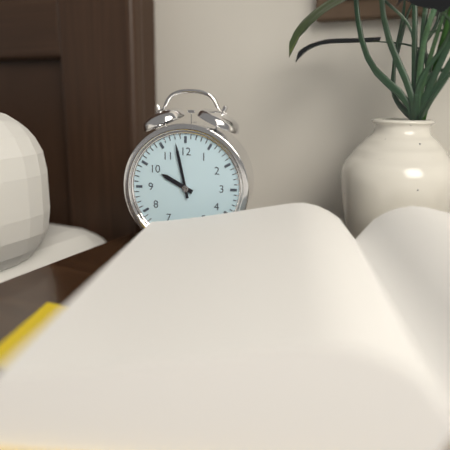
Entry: 9 h 58 min
